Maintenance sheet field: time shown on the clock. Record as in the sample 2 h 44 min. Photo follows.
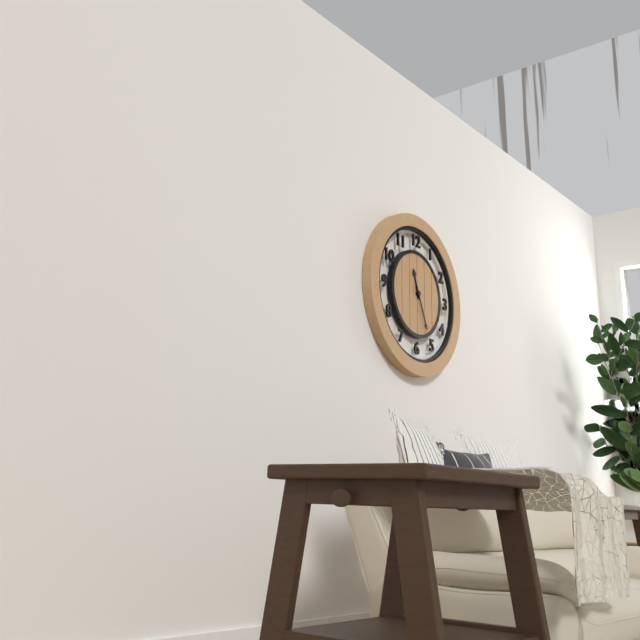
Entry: 11 h 26 min
